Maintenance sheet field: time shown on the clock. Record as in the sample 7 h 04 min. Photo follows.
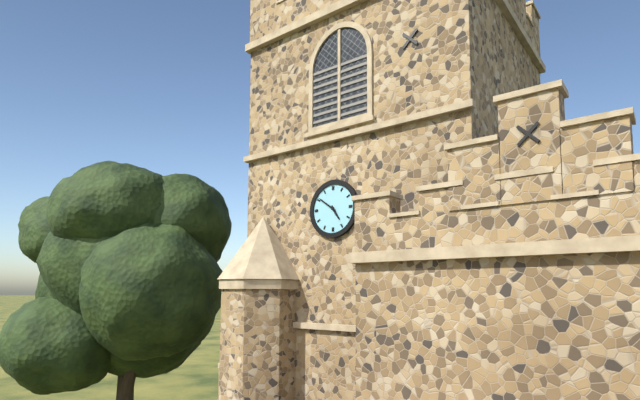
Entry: 4 h 51 min
